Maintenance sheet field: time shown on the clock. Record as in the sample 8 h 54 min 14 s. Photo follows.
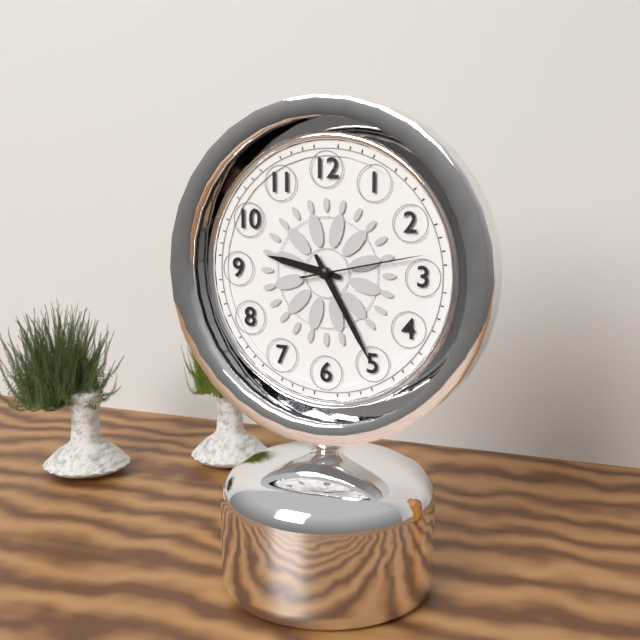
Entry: 9 h 25 min 13 s
